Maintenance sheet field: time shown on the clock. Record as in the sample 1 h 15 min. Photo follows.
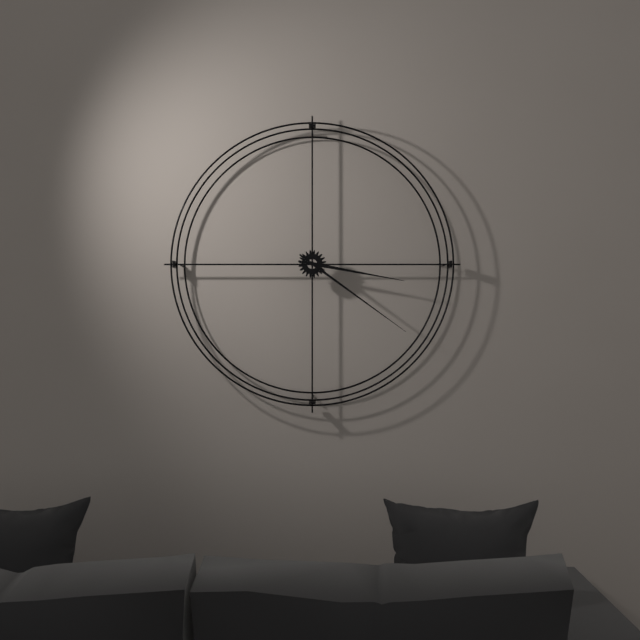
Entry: 3 h 21 min
